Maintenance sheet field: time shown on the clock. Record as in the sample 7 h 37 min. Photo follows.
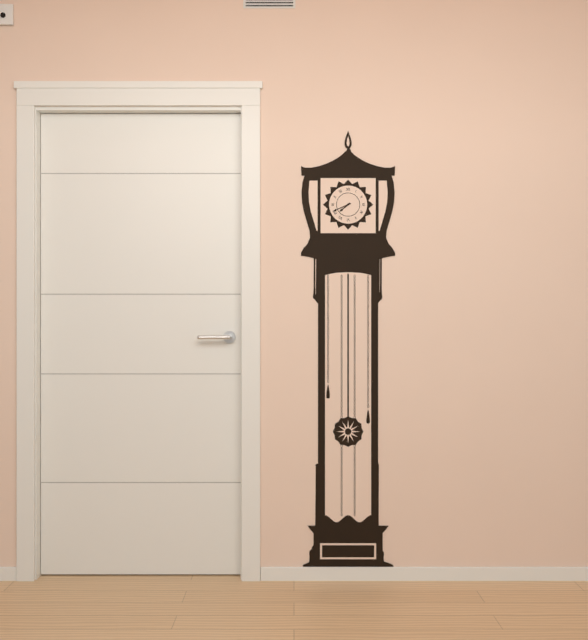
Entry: 7 h 41 min
